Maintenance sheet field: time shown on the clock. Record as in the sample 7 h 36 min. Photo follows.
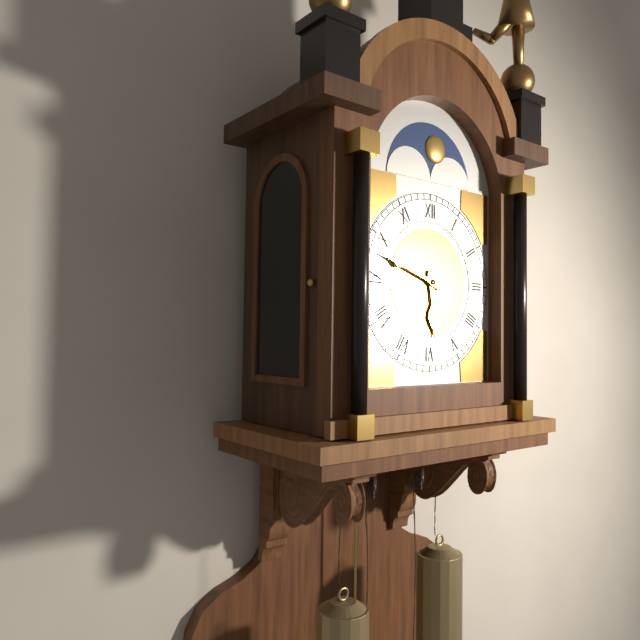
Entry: 5 h 48 min
